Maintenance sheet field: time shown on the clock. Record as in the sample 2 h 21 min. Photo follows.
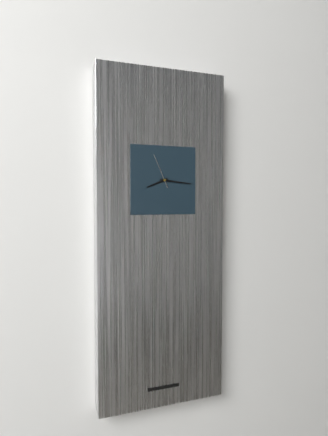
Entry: 8 h 16 min
